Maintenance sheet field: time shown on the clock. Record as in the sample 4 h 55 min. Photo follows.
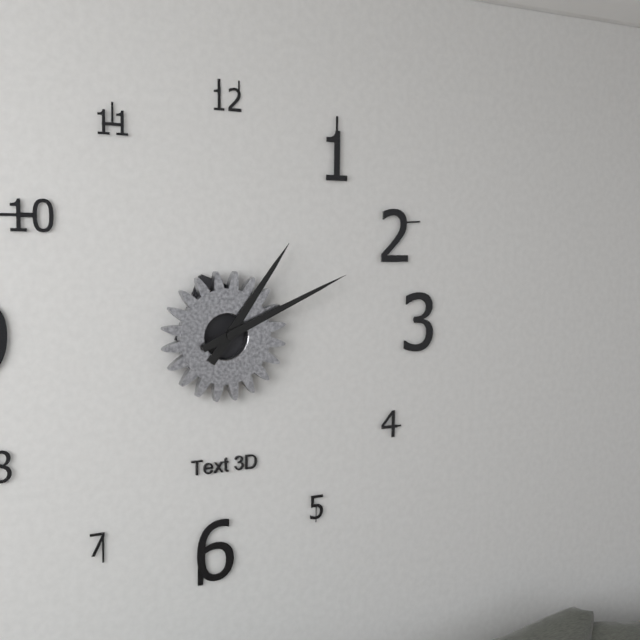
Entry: 1 h 11 min
